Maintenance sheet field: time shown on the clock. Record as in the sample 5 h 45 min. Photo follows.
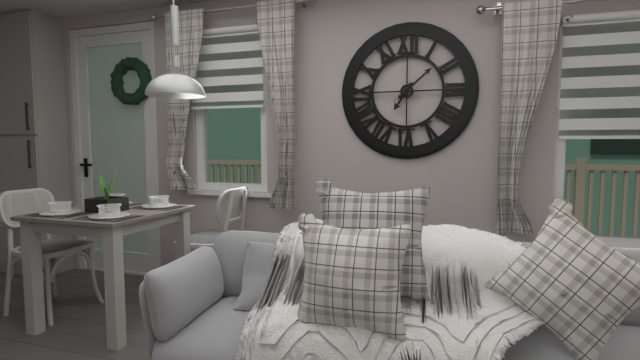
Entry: 7 h 08 min
